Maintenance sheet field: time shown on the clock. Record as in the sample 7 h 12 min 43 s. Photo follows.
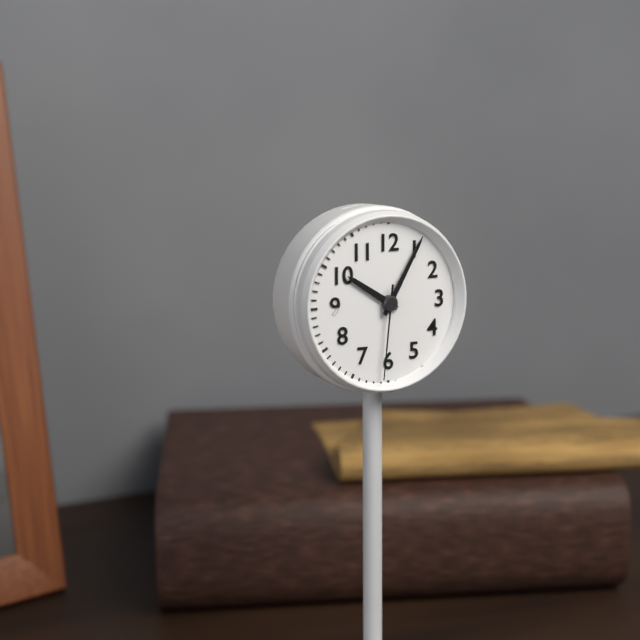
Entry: 10 h 05 min 31 s
